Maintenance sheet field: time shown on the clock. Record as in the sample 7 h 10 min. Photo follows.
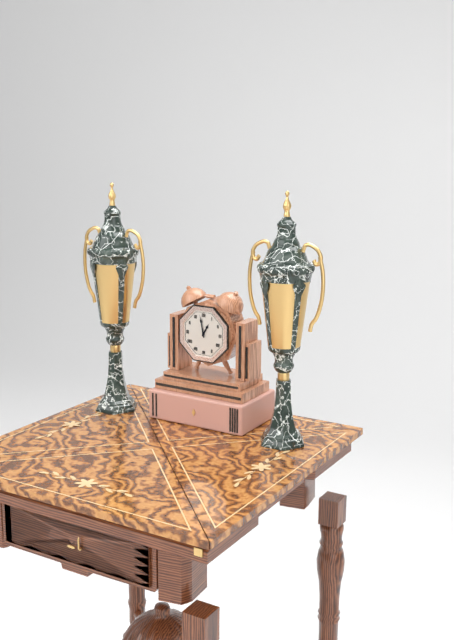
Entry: 12 h 58 min
